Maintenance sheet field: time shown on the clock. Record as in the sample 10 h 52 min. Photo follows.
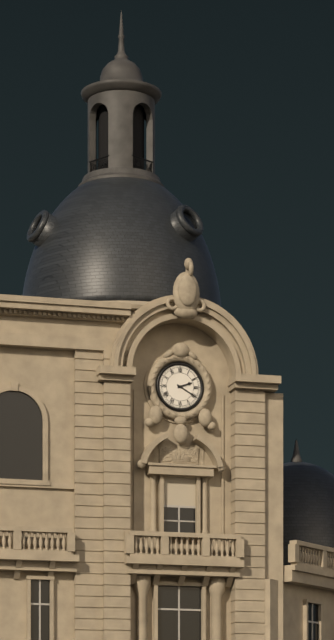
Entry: 2 h 20 min
